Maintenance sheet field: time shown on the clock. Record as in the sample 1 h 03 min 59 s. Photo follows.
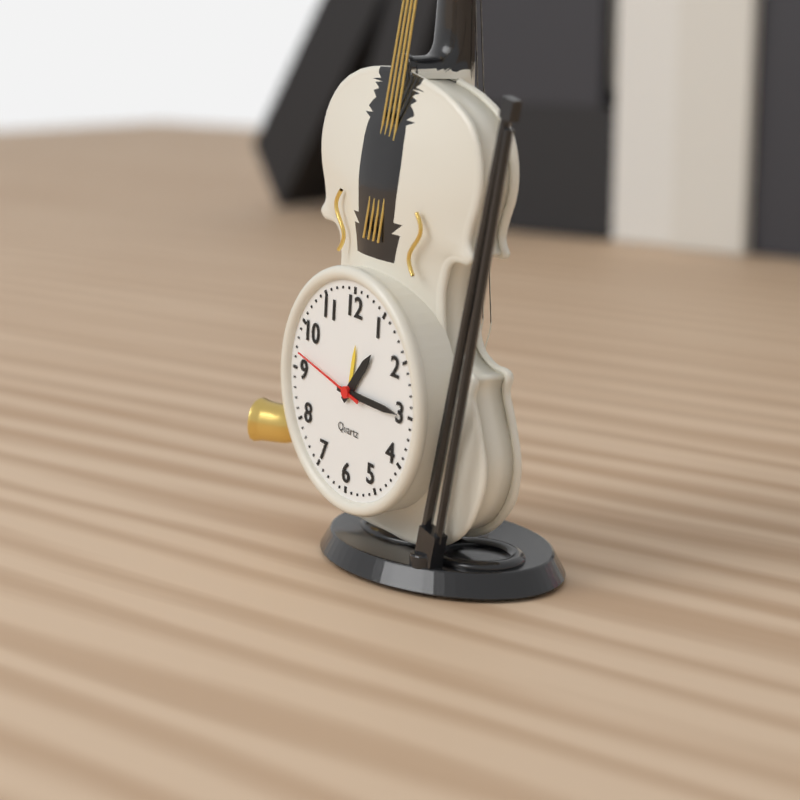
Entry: 1 h 15 min 47 s
